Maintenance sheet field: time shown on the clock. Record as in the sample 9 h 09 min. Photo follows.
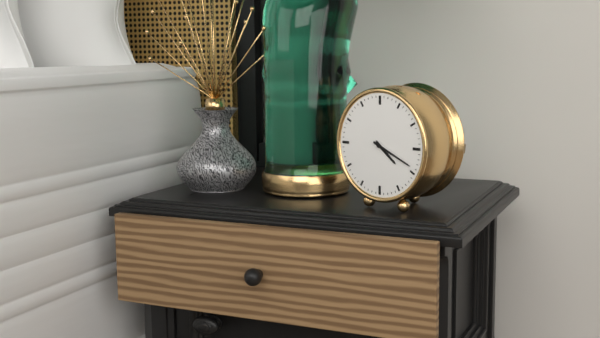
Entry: 4 h 19 min
